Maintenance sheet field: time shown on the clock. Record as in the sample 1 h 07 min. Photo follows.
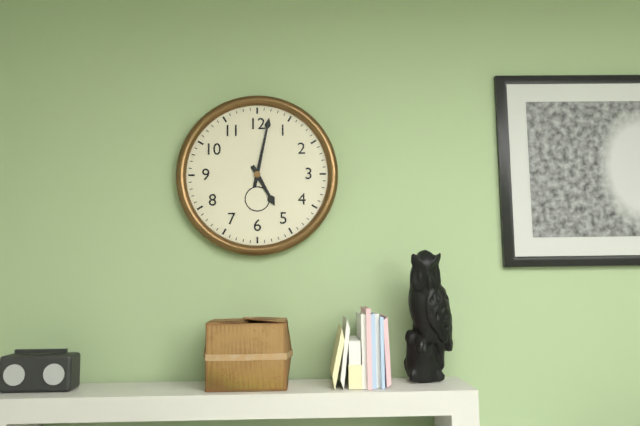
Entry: 5 h 02 min
